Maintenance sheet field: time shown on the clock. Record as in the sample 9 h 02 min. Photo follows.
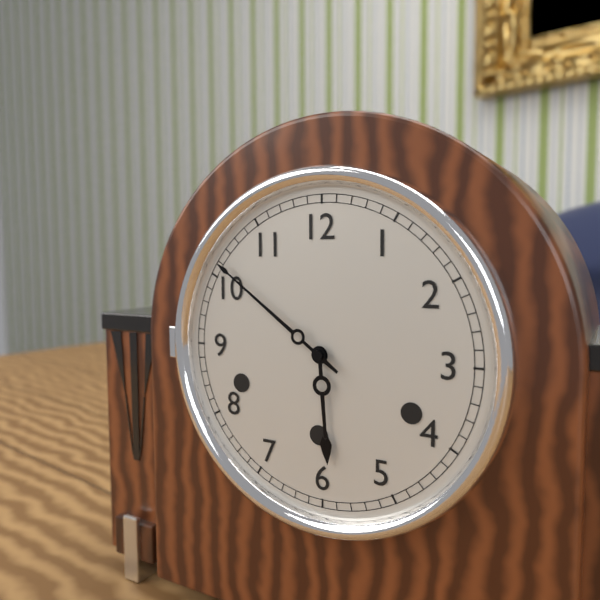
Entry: 5 h 51 min
